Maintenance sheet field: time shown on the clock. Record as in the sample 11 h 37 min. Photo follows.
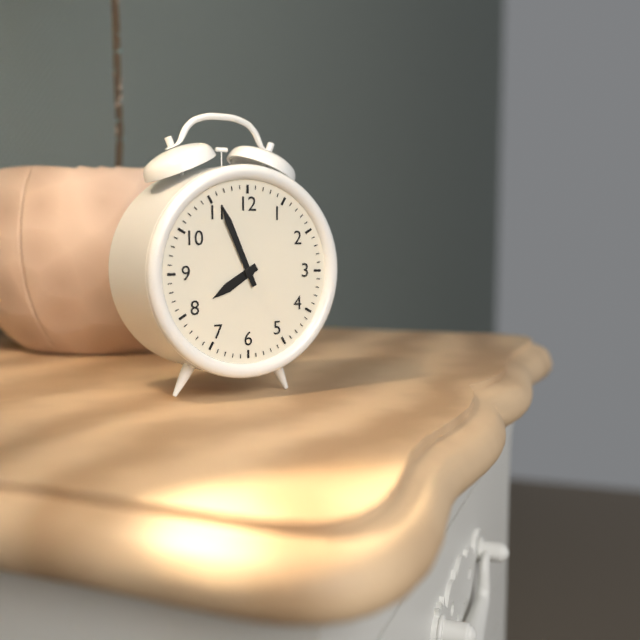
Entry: 7 h 56 min
